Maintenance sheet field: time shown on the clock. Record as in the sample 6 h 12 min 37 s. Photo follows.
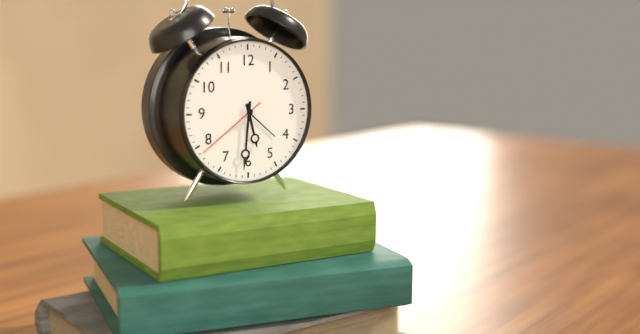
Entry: 5 h 31 min 39 s
